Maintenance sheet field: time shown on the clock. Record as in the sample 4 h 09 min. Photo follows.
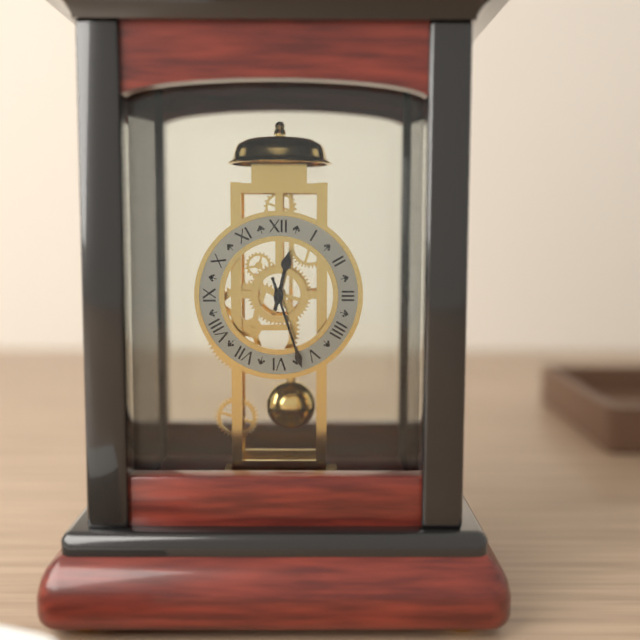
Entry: 12 h 27 min
